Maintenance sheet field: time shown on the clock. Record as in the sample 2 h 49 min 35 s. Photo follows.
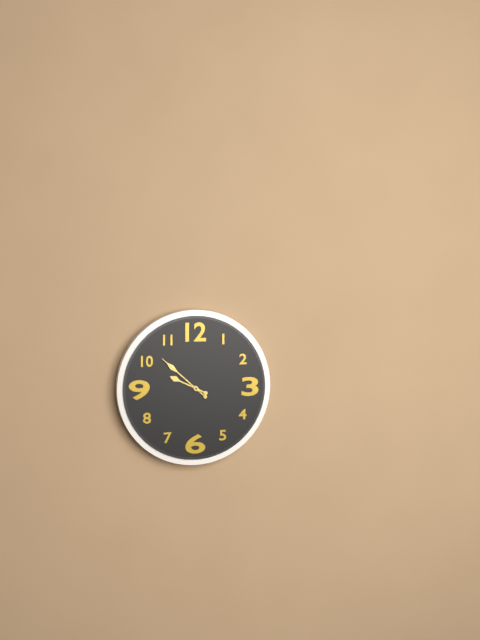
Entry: 9 h 52 min 52 s
